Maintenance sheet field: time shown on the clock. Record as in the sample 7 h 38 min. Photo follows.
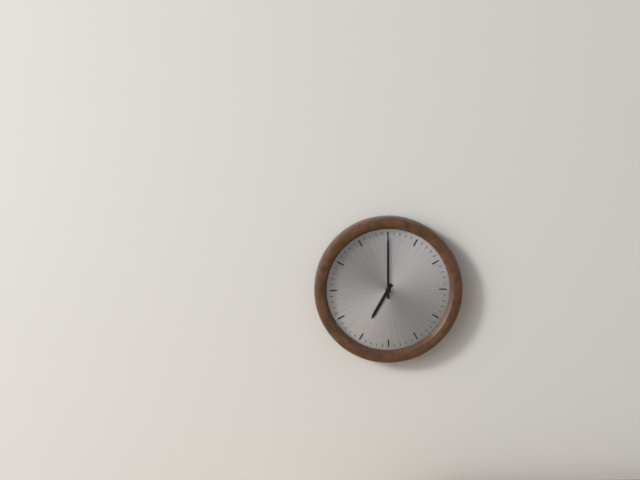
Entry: 7 h 00 min
